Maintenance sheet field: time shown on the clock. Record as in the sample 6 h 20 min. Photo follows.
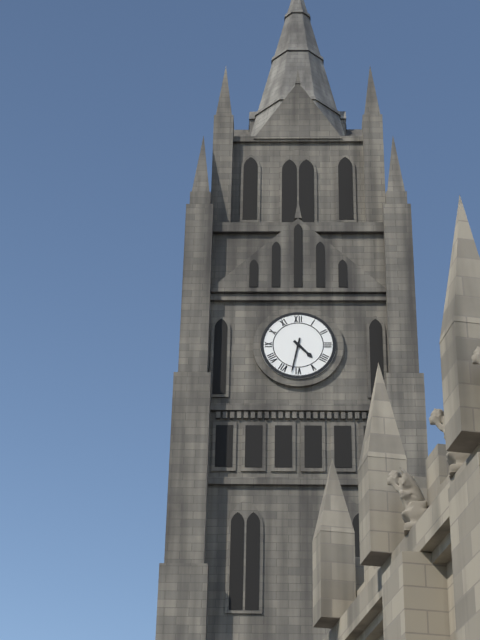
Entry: 4 h 32 min
